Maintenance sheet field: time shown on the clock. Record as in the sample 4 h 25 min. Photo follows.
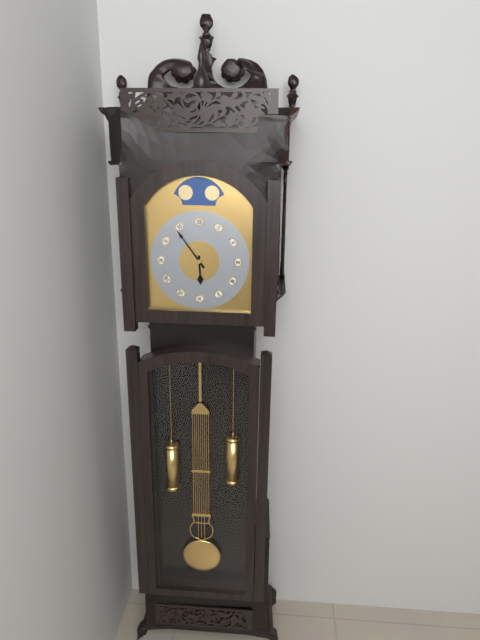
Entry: 5 h 54 min
